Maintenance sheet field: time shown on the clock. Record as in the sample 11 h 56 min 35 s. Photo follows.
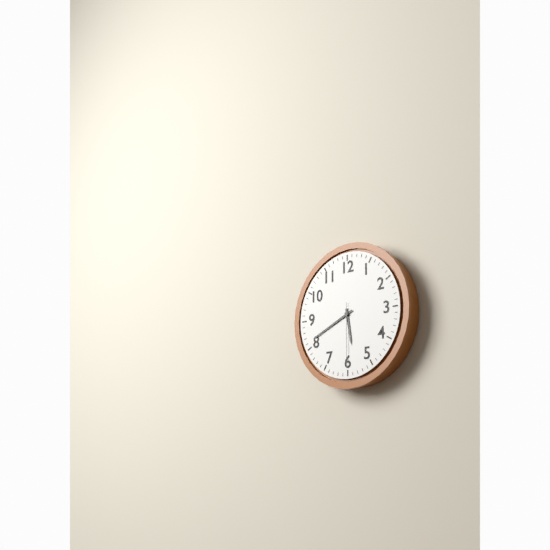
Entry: 5 h 41 min 30 s
